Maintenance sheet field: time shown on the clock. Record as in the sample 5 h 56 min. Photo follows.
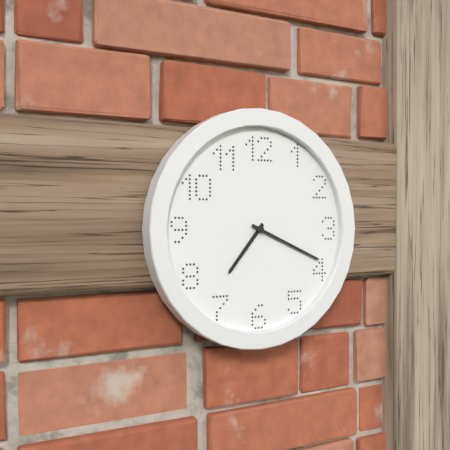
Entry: 7 h 19 min
